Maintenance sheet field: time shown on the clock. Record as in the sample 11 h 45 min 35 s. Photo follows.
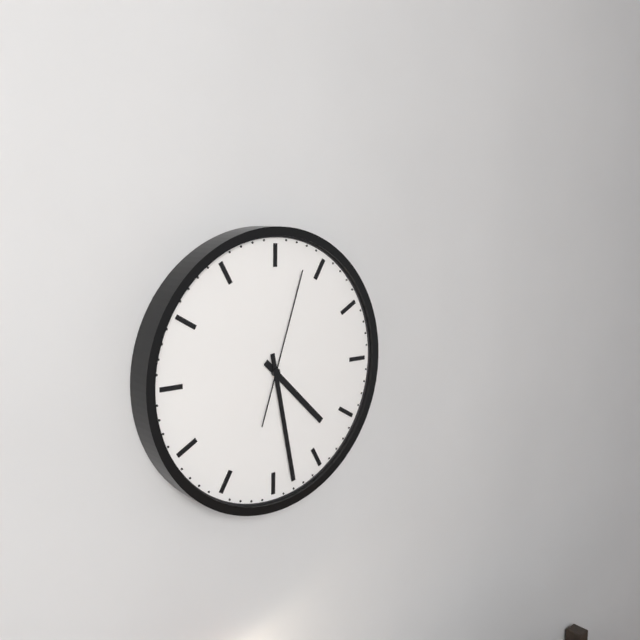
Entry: 4 h 28 min 03 s
